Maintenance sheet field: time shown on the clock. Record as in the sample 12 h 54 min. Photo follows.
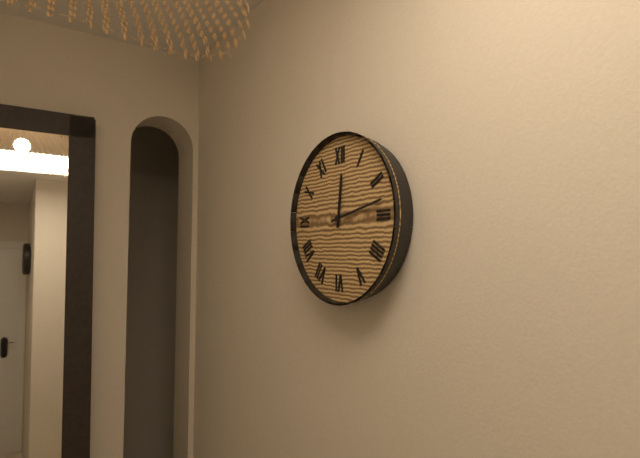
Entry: 12 h 13 min
